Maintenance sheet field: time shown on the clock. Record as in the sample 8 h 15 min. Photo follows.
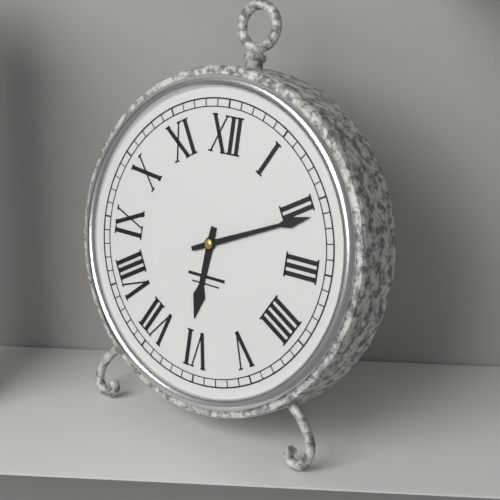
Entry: 6 h 11 min
